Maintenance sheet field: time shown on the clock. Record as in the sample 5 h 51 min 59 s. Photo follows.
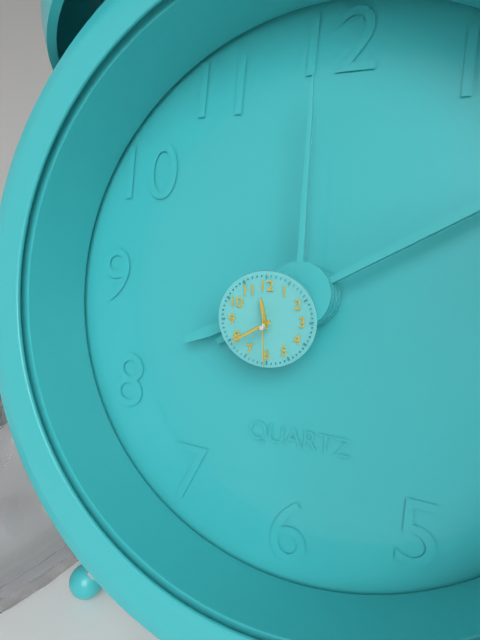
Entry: 11 h 40 min 30 s
